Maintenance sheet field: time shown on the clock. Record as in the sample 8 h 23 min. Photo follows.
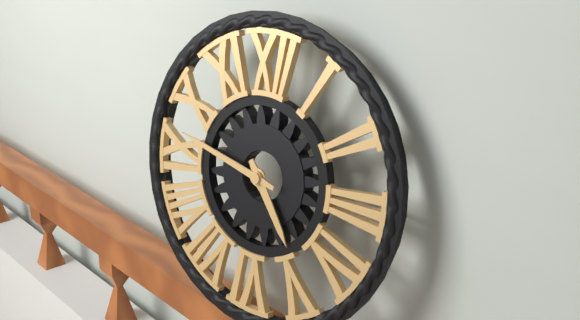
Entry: 4 h 47 min
